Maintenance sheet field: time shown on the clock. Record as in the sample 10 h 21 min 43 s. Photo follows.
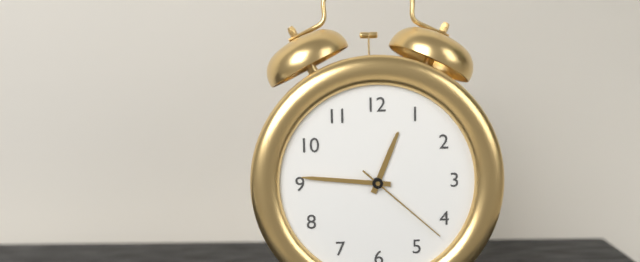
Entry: 12 h 46 min 22 s
